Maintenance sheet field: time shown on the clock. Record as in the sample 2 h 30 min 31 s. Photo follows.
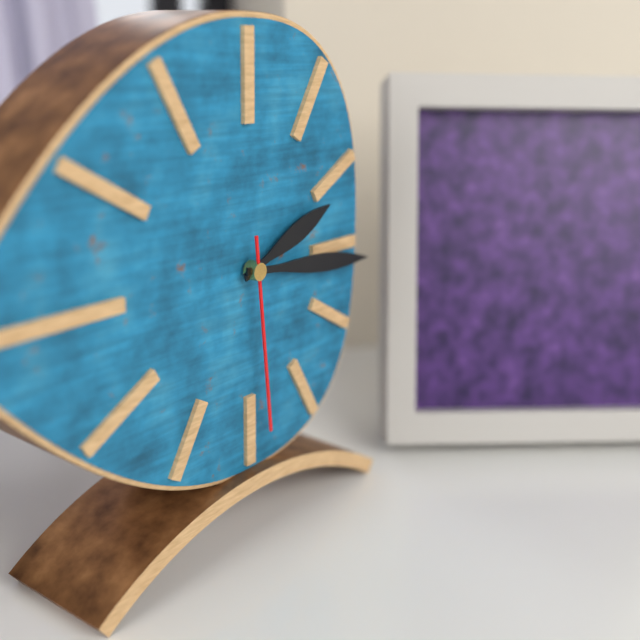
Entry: 2 h 16 min 29 s
